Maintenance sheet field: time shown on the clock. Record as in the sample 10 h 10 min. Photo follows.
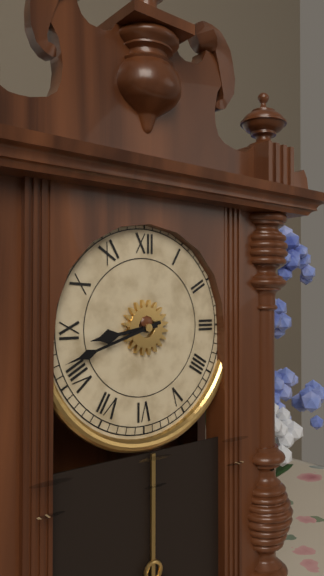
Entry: 8 h 42 min
